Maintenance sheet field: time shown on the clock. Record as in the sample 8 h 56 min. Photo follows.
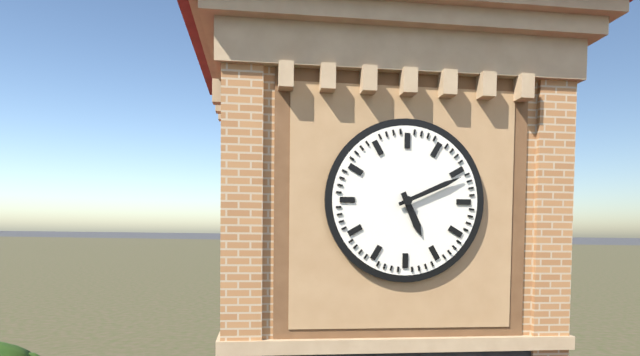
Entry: 5 h 11 min
